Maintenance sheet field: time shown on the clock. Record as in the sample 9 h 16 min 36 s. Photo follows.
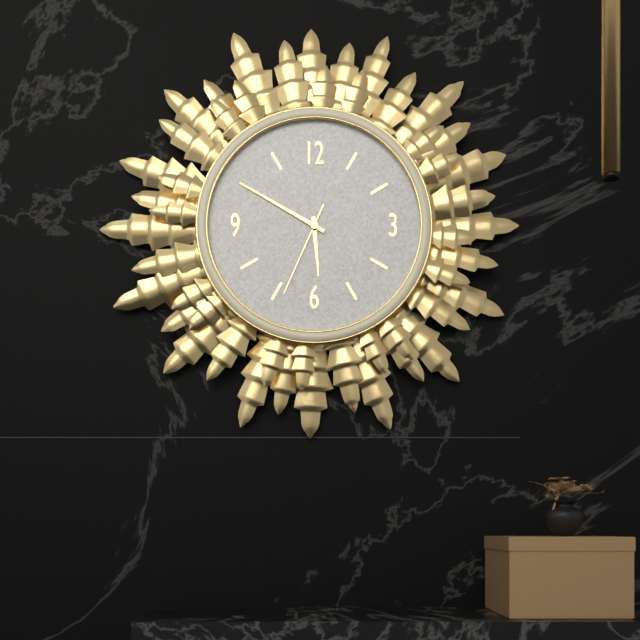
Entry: 5 h 50 min 34 s
